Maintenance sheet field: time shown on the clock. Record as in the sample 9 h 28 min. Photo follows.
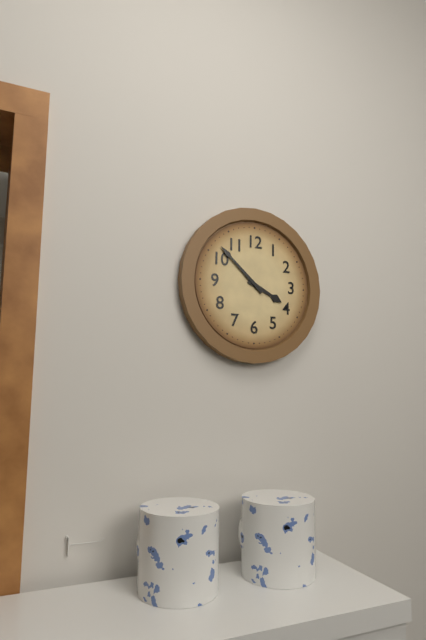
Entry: 3 h 52 min
